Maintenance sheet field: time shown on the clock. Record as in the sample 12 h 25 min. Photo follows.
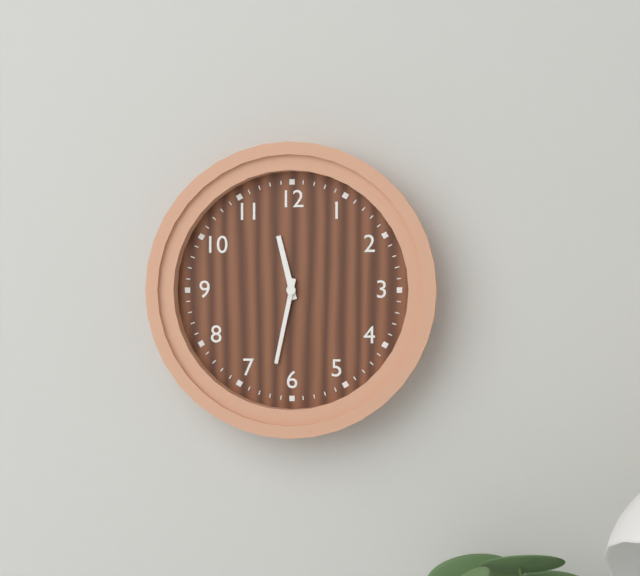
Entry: 11 h 32 min
